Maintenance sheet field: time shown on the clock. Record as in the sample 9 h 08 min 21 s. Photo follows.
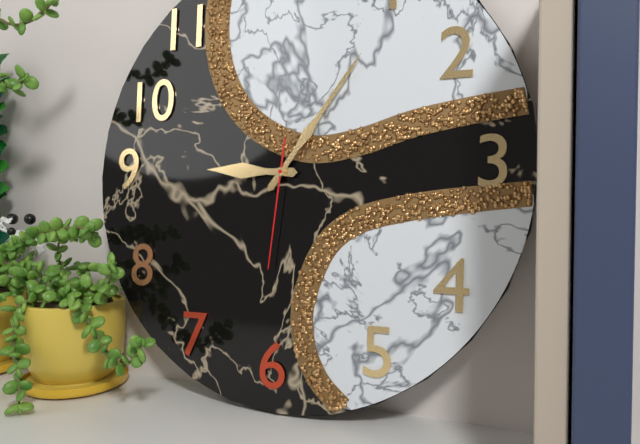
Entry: 9 h 06 min 31 s
